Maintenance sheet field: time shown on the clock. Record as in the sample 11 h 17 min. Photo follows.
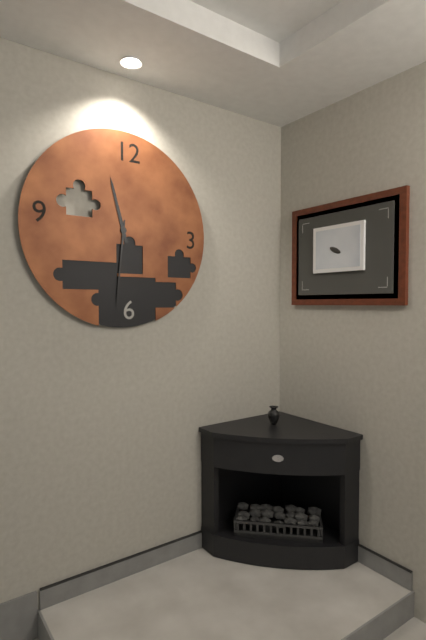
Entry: 11 h 31 min
